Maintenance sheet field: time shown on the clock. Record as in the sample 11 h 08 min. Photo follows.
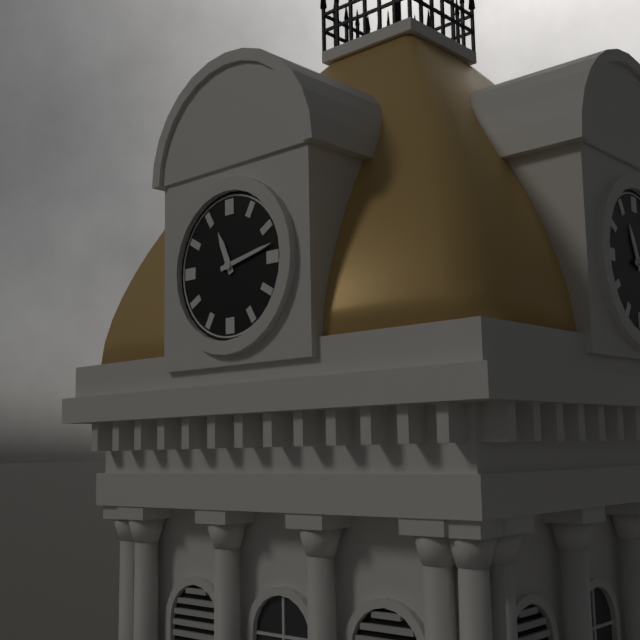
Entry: 11 h 13 min
